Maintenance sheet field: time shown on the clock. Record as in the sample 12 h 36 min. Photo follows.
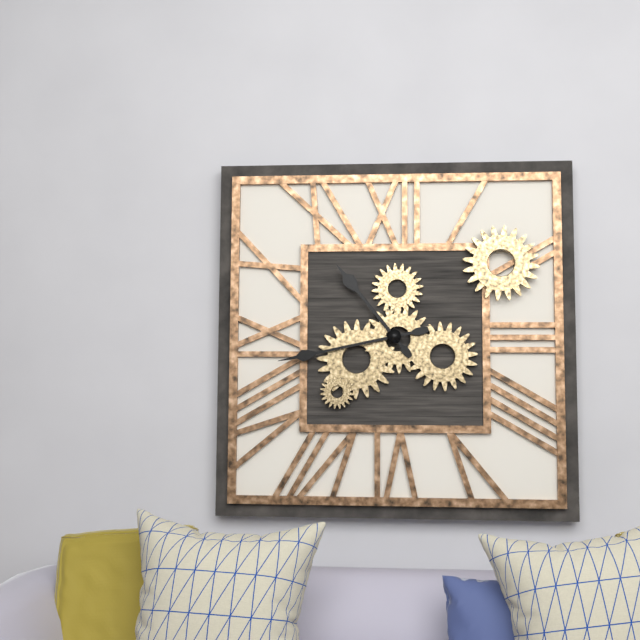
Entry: 10 h 43 min
